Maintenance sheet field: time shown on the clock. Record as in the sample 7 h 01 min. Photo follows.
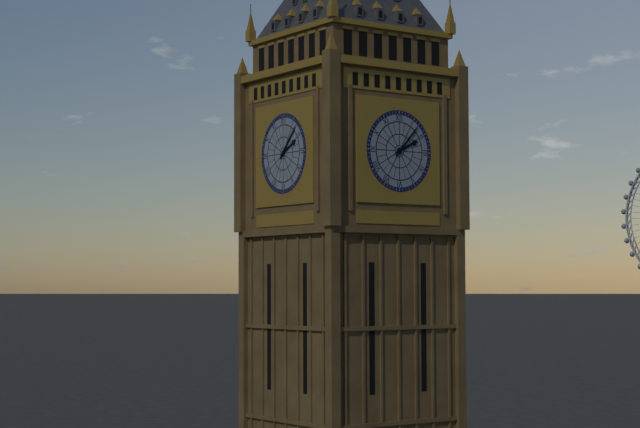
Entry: 2 h 07 min
